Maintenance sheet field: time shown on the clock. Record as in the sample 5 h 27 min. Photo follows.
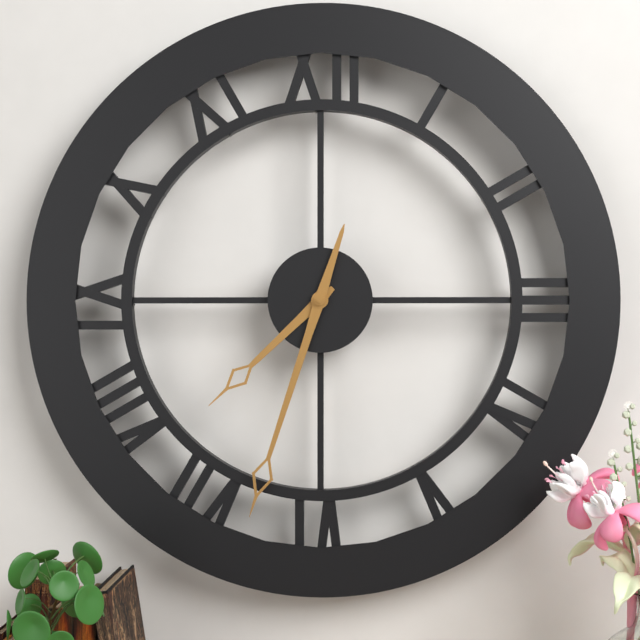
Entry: 7 h 33 min
